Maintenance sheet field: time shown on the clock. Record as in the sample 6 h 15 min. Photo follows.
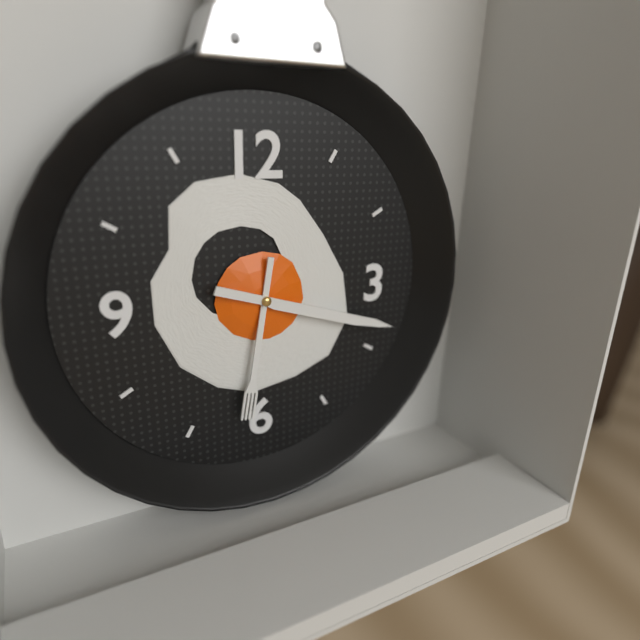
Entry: 6 h 18 min
